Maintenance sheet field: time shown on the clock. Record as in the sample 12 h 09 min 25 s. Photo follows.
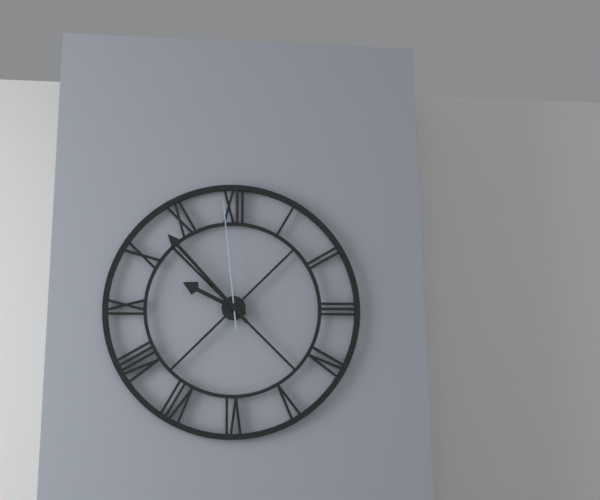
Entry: 9 h 53 min 59 s
